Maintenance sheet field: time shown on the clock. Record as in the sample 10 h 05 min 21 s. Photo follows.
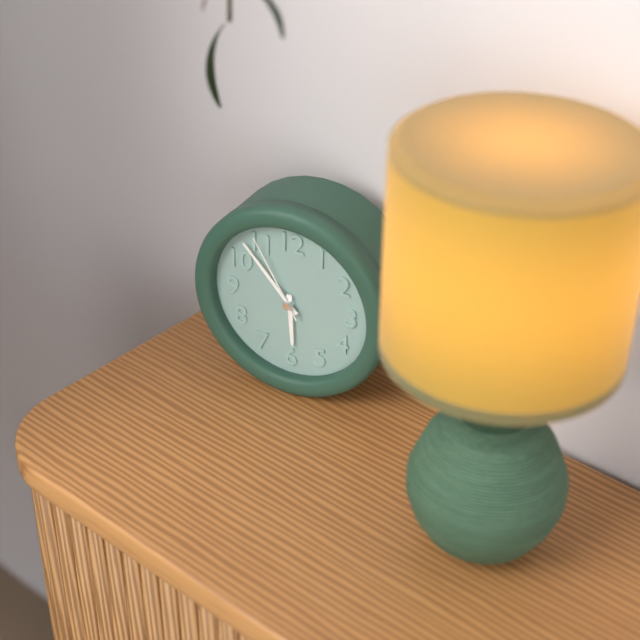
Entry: 5 h 53 min 55 s
